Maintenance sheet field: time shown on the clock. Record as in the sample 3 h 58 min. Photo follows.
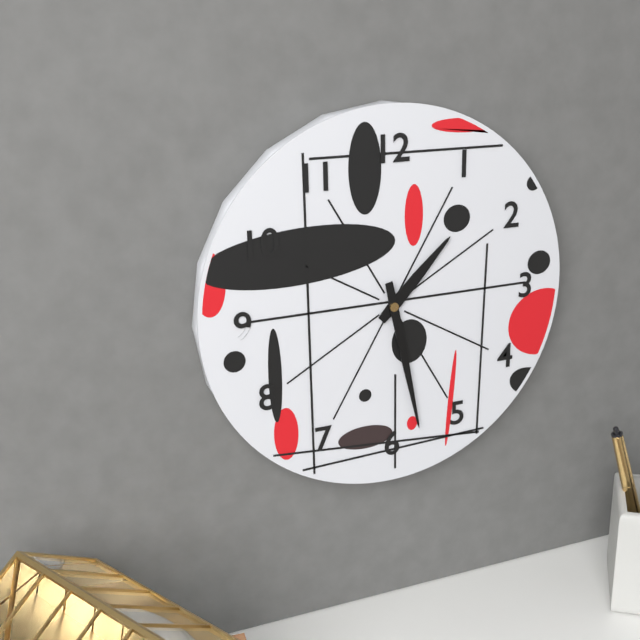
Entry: 1 h 28 min
